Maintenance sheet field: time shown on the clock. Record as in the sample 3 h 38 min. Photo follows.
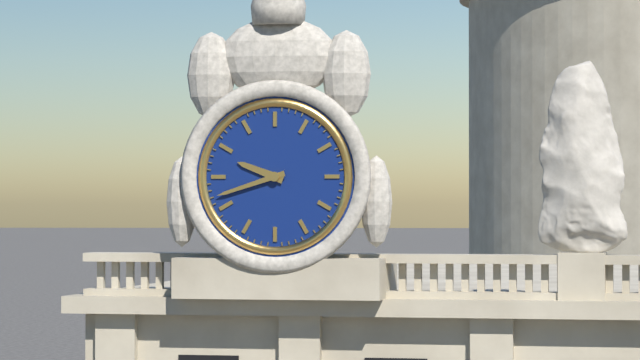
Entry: 9 h 42 min
